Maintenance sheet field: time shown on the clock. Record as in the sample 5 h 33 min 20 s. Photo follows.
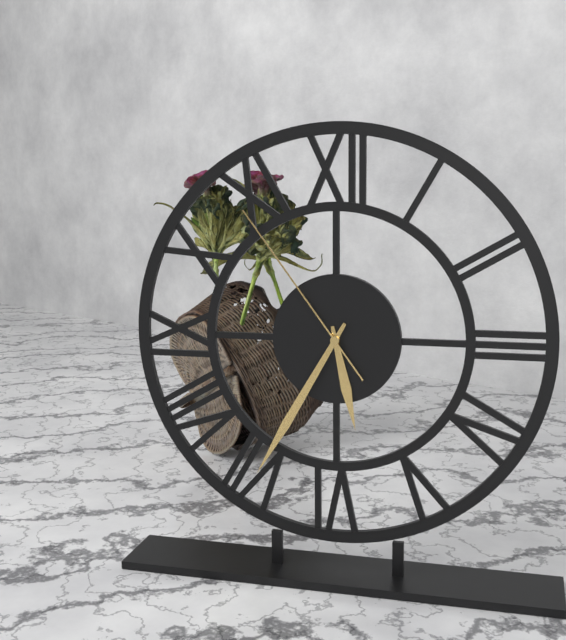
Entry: 5 h 35 min 54 s
